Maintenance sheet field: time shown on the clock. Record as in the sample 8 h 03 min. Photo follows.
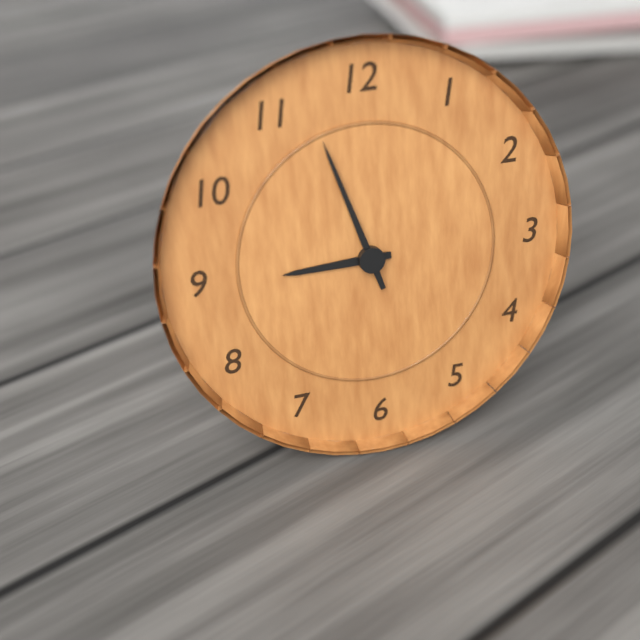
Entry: 8 h 57 min
